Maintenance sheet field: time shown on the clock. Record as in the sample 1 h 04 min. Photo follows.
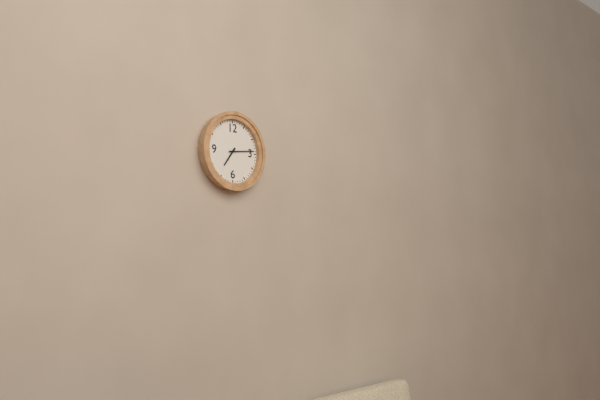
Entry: 7 h 14 min
